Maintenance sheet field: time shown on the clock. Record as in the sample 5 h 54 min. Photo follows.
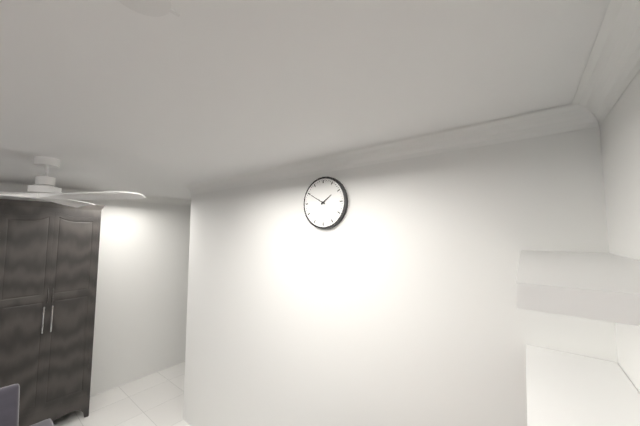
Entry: 1 h 50 min
